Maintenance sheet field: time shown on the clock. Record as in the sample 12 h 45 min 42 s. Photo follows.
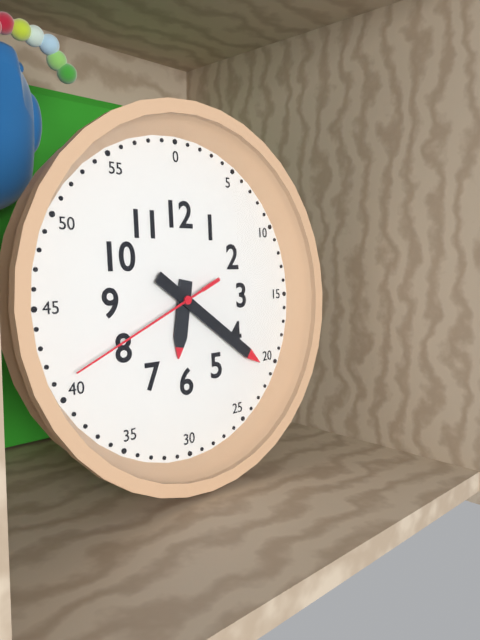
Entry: 6 h 21 min 41 s
